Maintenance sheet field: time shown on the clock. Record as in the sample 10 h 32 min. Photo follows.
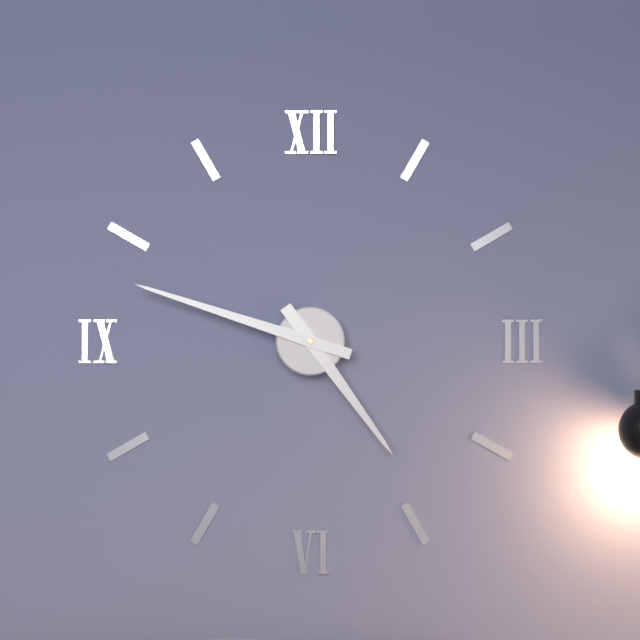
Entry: 4 h 48 min
